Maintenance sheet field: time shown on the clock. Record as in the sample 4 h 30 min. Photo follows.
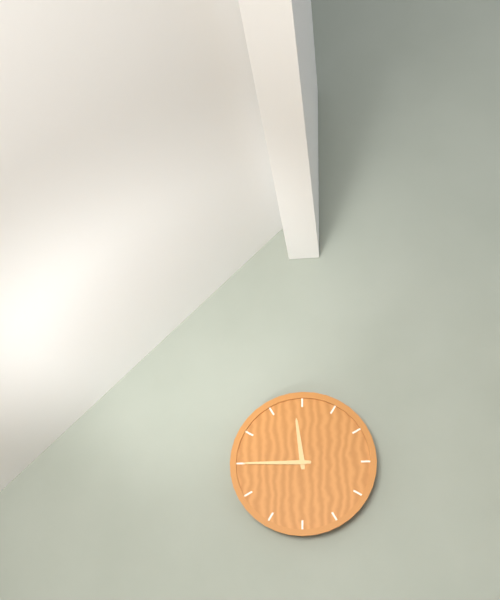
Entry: 11 h 45 min
